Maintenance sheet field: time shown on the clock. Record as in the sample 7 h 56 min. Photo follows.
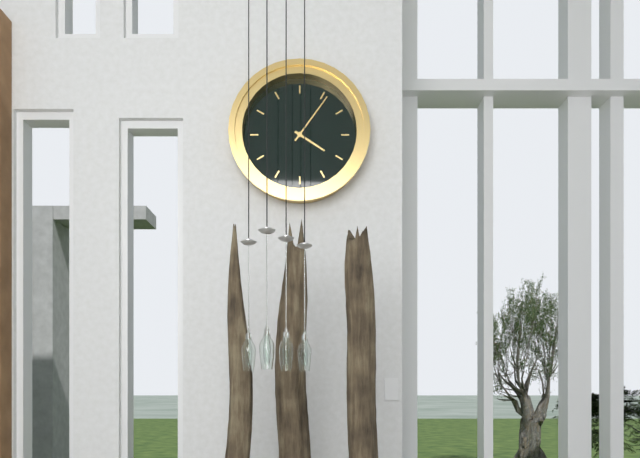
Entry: 4 h 06 min
